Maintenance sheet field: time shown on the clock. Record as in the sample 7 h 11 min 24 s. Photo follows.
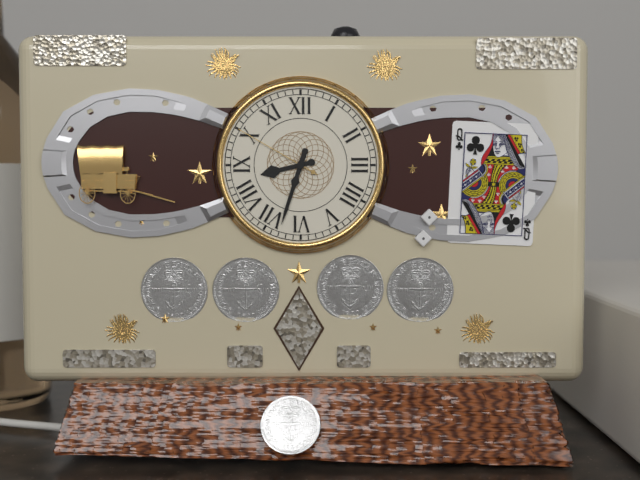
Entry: 8 h 33 min 50 s
